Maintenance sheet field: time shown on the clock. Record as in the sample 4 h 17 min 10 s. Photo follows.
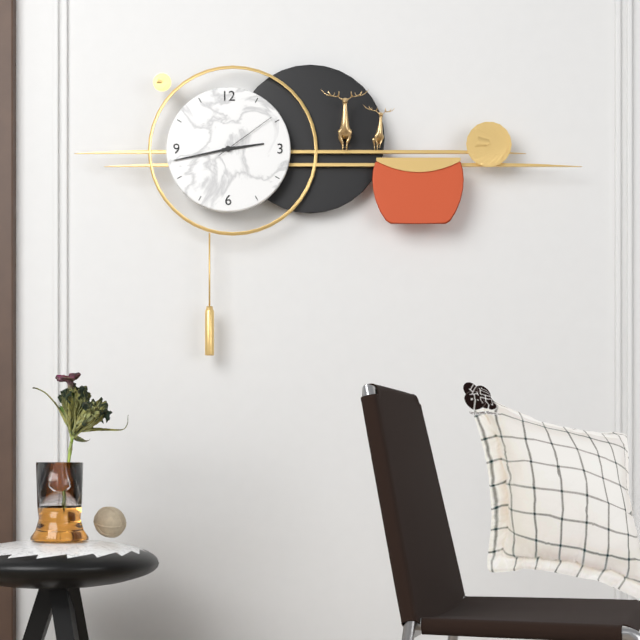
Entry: 2 h 43 min 09 s
